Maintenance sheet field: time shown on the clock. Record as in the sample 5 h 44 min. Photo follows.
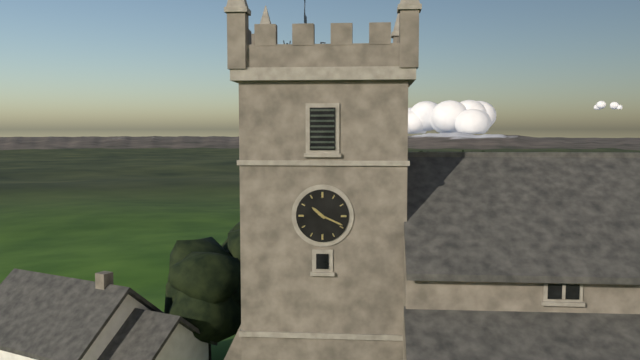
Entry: 10 h 19 min
